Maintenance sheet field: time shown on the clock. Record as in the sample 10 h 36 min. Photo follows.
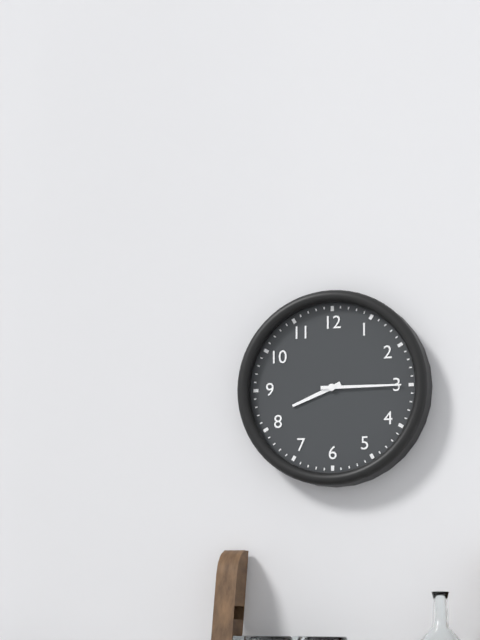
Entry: 8 h 15 min
